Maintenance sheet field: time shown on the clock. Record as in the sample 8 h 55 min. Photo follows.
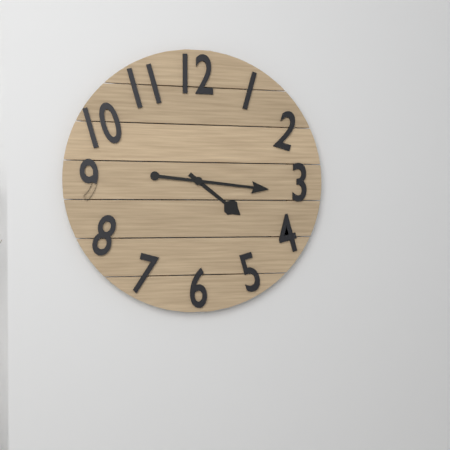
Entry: 4 h 16 min
